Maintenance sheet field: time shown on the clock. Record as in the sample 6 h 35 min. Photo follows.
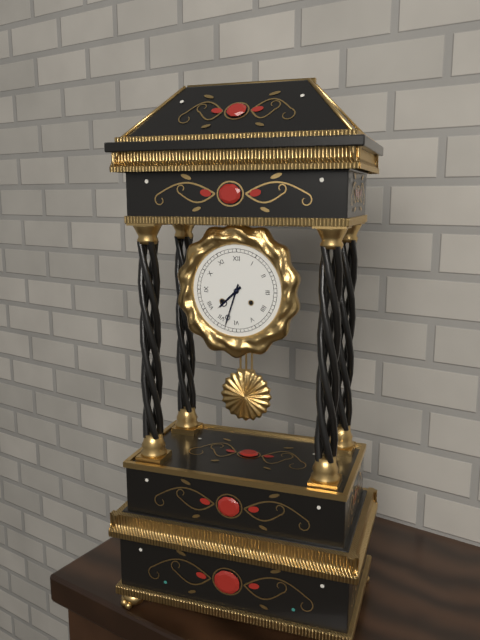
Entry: 7 h 33 min
